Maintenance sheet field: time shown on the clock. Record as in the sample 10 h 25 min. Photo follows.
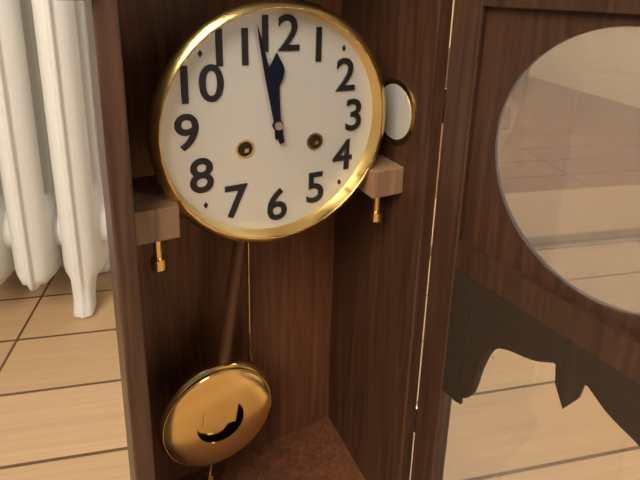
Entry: 11 h 58 min
